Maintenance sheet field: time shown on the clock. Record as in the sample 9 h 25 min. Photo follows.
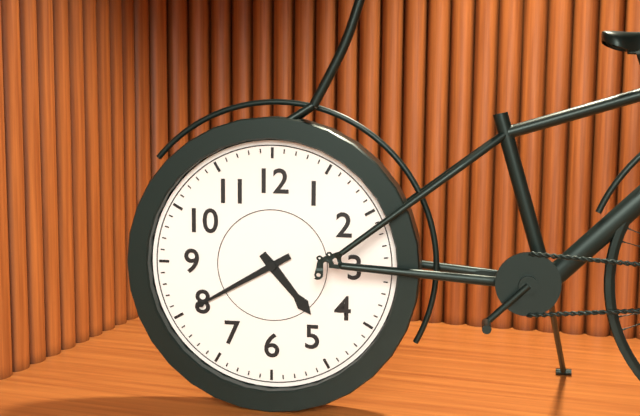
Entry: 4 h 40 min
